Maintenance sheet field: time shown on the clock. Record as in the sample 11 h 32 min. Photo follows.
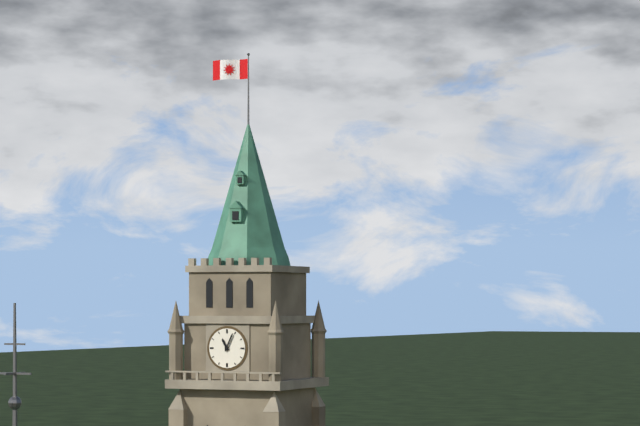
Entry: 11 h 04 min
